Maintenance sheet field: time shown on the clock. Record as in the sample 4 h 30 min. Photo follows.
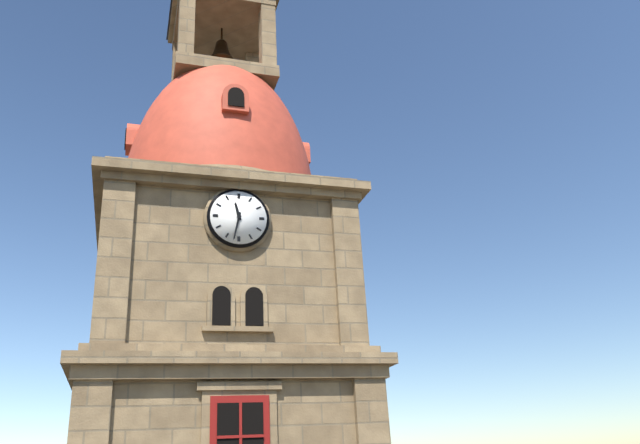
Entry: 11 h 32 min
